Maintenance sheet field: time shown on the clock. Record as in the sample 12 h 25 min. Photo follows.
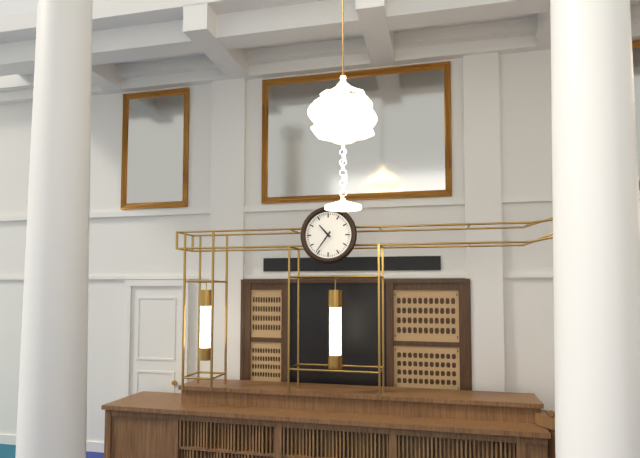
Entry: 10 h 36 min
